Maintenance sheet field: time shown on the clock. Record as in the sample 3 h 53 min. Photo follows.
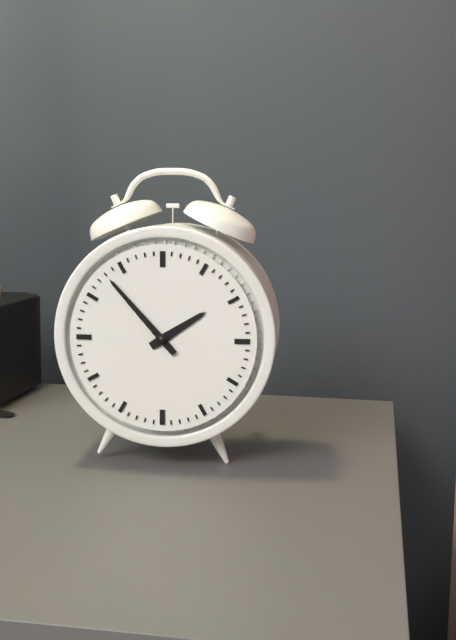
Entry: 1 h 53 min
